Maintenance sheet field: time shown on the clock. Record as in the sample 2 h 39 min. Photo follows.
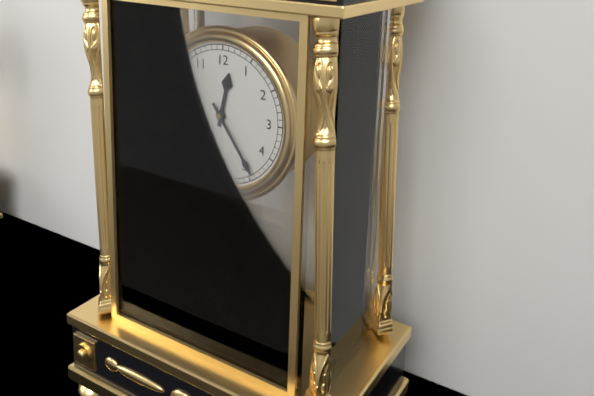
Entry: 12 h 24 min
